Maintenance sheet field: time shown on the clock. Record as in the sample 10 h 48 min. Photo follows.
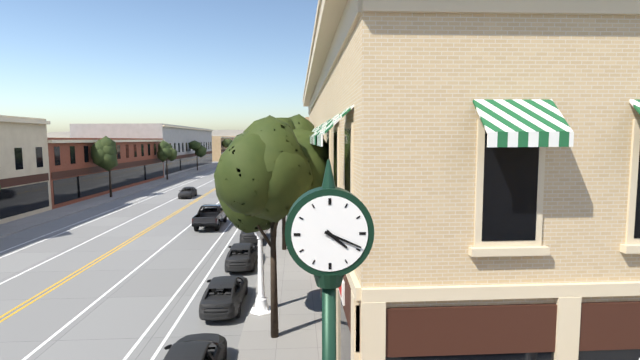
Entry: 4 h 19 min
